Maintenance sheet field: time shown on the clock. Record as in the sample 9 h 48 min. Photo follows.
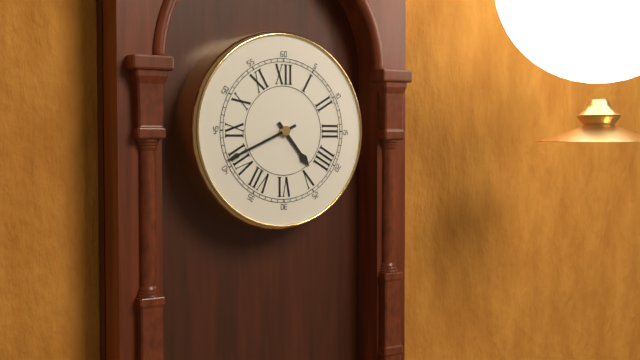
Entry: 4 h 41 min
